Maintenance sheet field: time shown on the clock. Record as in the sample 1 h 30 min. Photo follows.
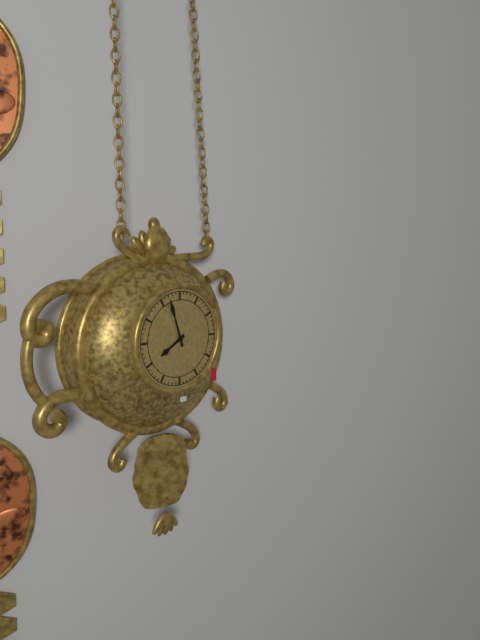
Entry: 7 h 57 min
